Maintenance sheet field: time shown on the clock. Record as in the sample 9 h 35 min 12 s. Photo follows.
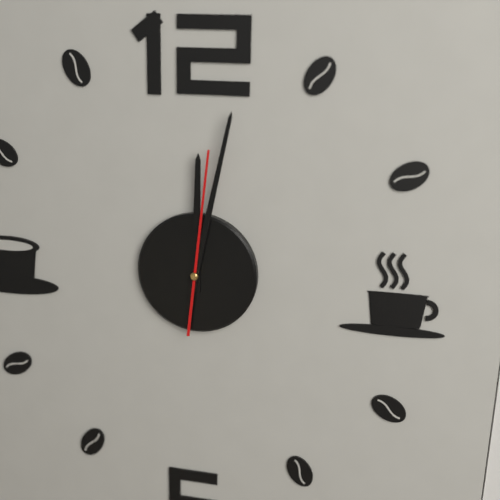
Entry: 12 h 02 min 01 s
